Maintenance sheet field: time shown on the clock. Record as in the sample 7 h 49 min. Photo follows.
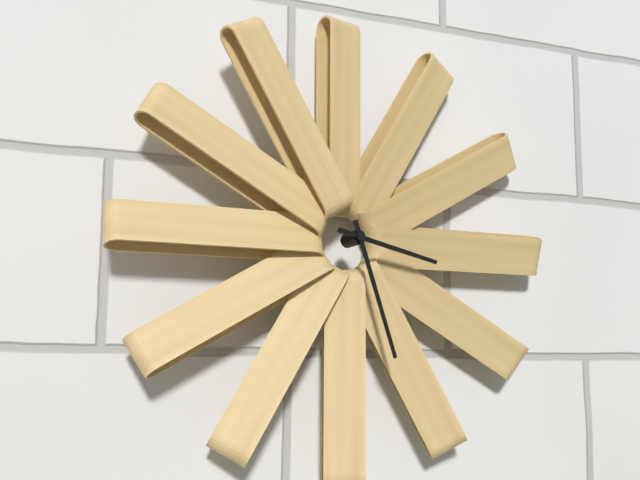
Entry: 3 h 27 min
